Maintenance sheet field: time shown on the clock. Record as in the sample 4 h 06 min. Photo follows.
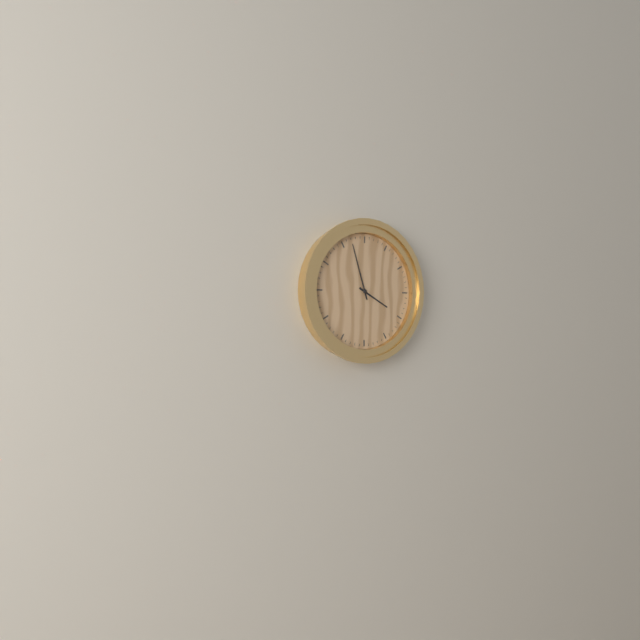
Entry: 3 h 57 min
